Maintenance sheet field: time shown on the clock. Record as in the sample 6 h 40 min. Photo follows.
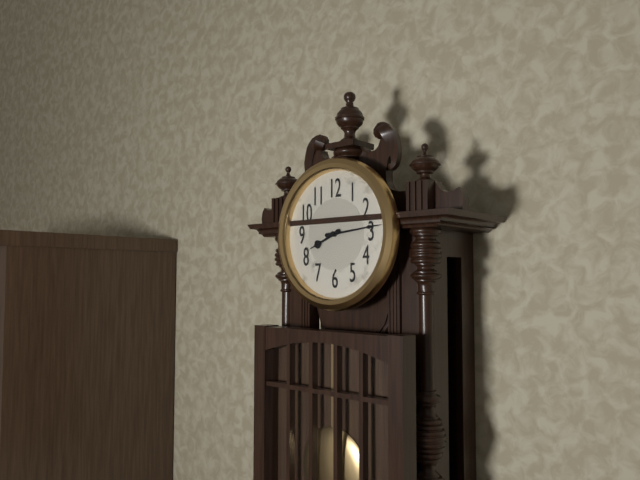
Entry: 8 h 14 min
